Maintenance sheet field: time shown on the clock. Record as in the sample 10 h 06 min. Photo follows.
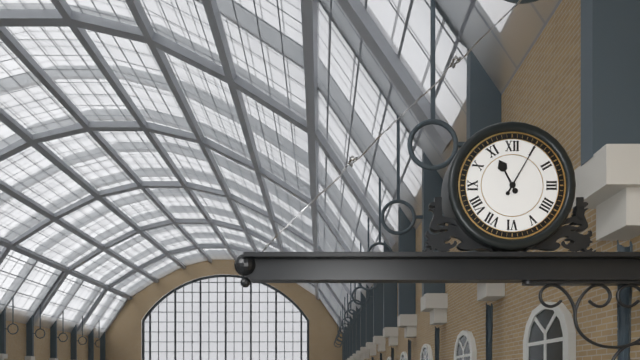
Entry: 11 h 05 min
